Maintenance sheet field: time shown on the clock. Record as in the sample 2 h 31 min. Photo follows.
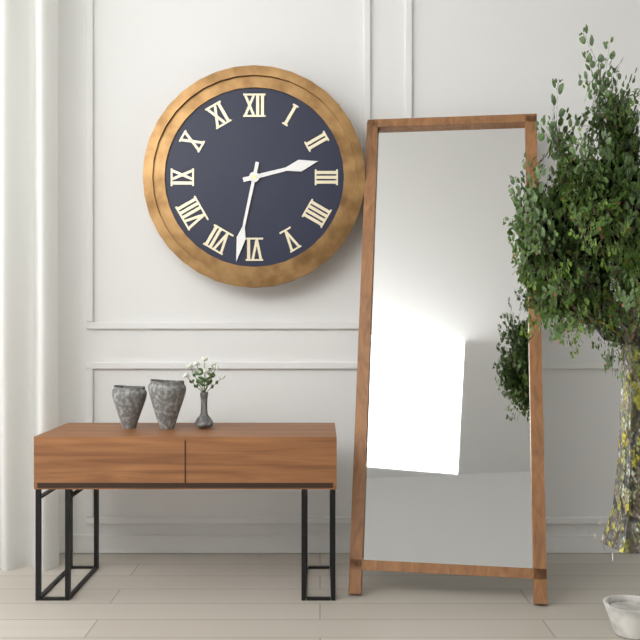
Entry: 2 h 32 min
